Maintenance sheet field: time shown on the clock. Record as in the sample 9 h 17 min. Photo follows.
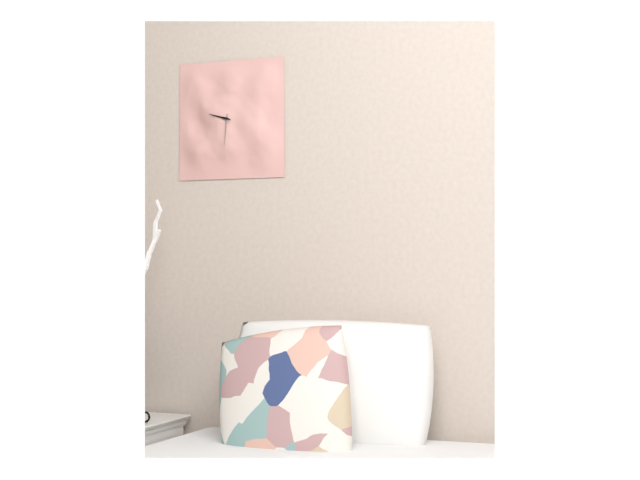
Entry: 9 h 31 min
